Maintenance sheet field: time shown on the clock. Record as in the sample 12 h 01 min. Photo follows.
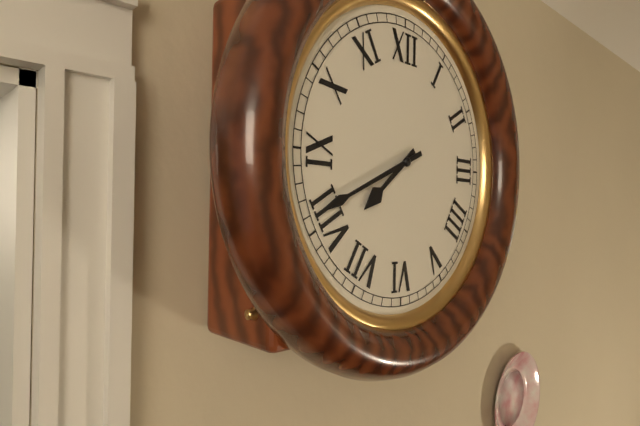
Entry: 7 h 41 min
